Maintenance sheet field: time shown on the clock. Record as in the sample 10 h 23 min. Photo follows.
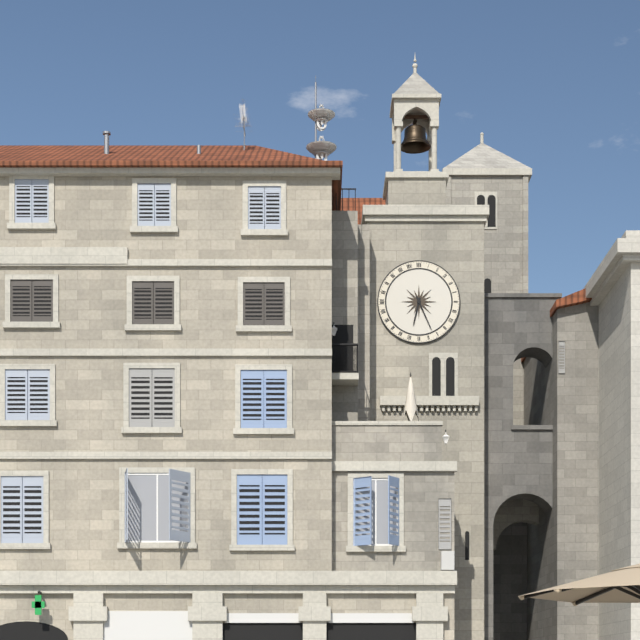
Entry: 6 h 26 min
